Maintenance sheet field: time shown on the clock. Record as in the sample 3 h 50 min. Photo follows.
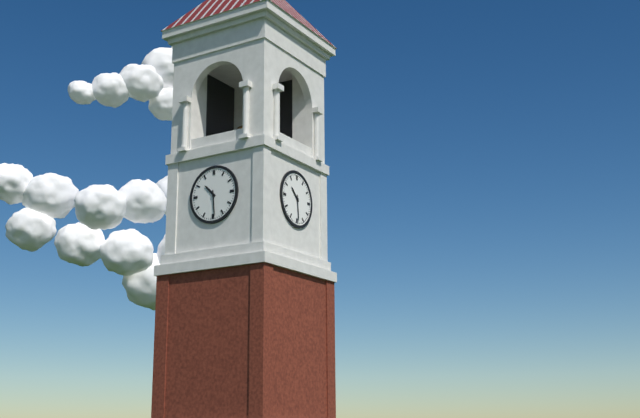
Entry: 10 h 29 min
